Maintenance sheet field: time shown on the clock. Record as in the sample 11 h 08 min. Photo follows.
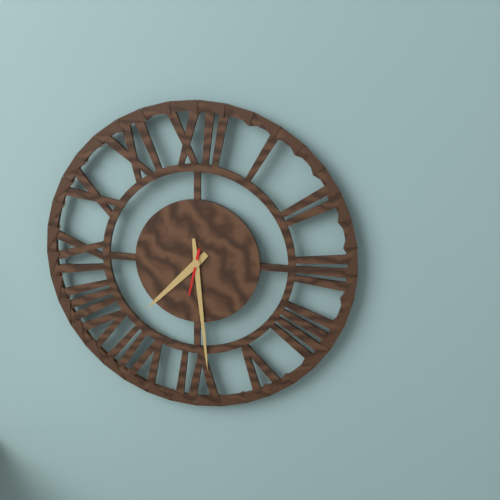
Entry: 7 h 29 min
